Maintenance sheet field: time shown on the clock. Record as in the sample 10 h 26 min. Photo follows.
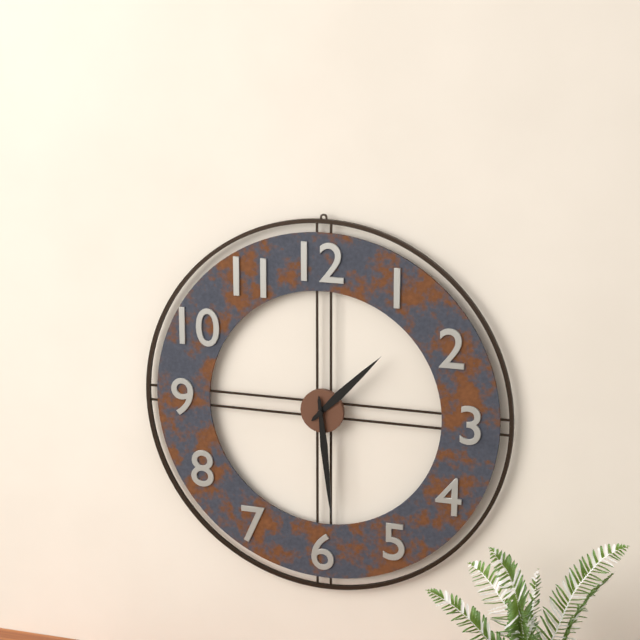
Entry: 1 h 29 min
